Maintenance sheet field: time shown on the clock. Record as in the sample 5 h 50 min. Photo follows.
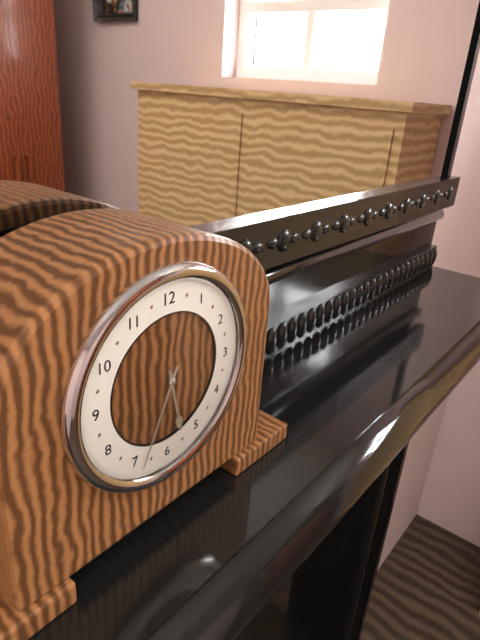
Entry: 5 h 34 min
